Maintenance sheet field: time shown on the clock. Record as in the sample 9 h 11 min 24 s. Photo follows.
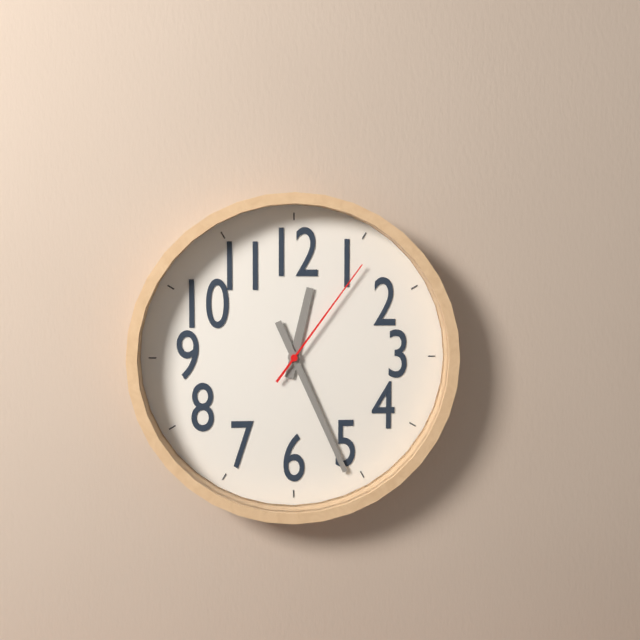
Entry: 12 h 26 min 06 s
